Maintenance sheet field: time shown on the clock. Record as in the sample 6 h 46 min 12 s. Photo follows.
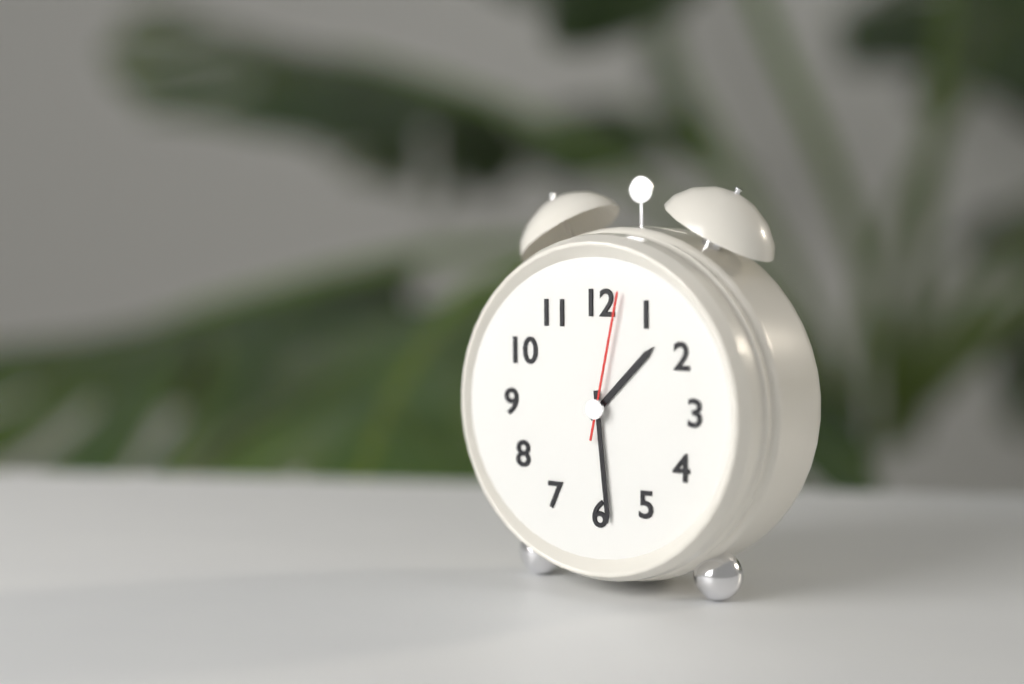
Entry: 1 h 29 min 02 s
